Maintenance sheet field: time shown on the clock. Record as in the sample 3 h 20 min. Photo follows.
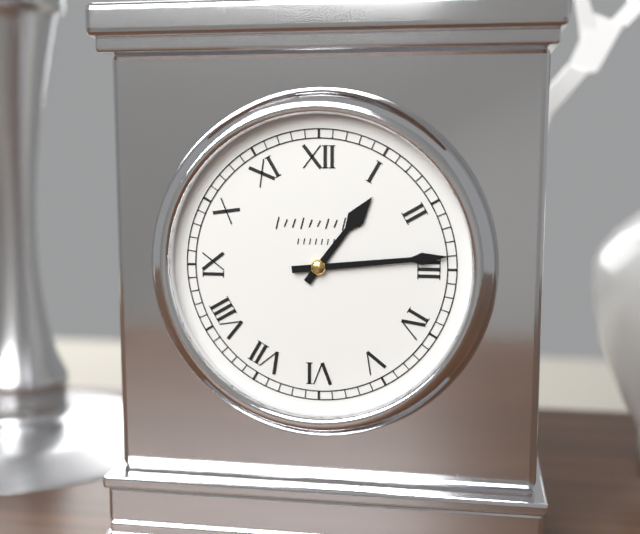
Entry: 1 h 14 min
